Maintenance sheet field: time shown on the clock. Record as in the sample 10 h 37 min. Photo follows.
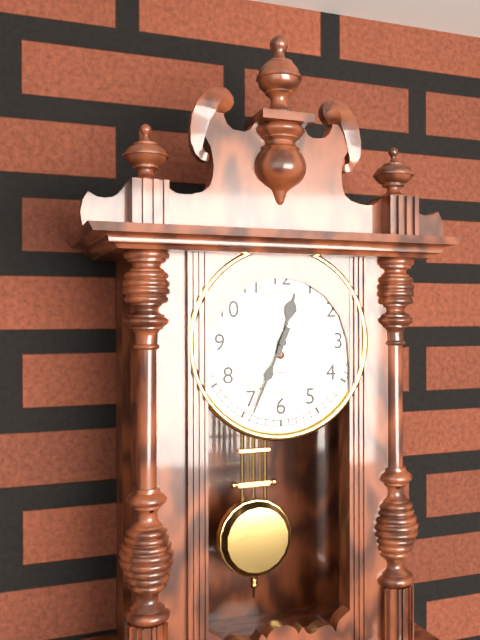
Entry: 12 h 34 min
